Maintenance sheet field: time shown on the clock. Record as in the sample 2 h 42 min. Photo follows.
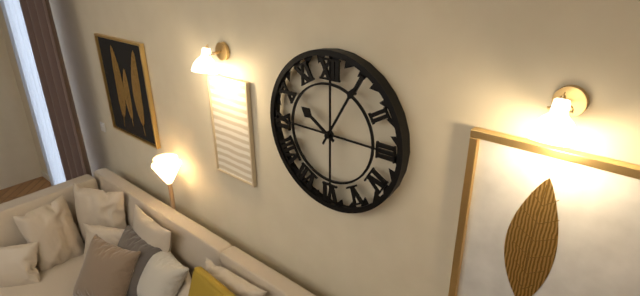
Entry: 10 h 05 min
